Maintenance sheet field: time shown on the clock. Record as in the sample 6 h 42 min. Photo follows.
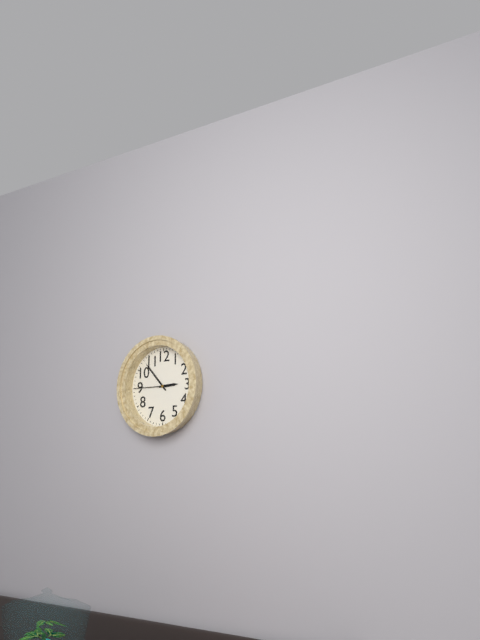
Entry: 2 h 53 min
